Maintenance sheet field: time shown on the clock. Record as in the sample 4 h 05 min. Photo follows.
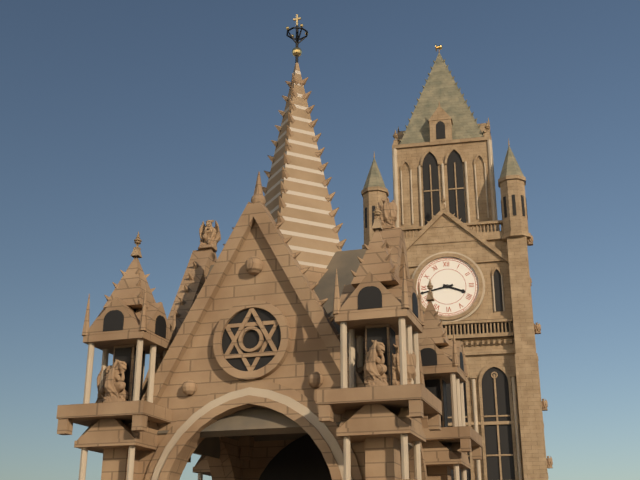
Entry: 3 h 43 min
